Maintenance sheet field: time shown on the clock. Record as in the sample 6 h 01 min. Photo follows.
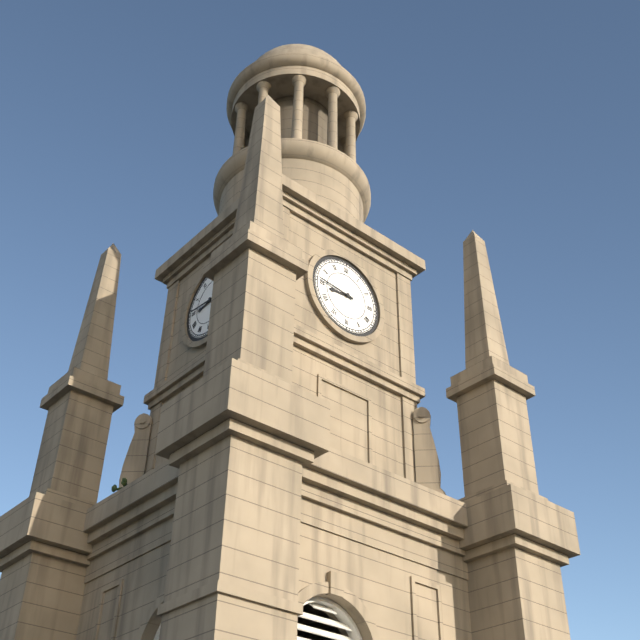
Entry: 8 h 46 min
